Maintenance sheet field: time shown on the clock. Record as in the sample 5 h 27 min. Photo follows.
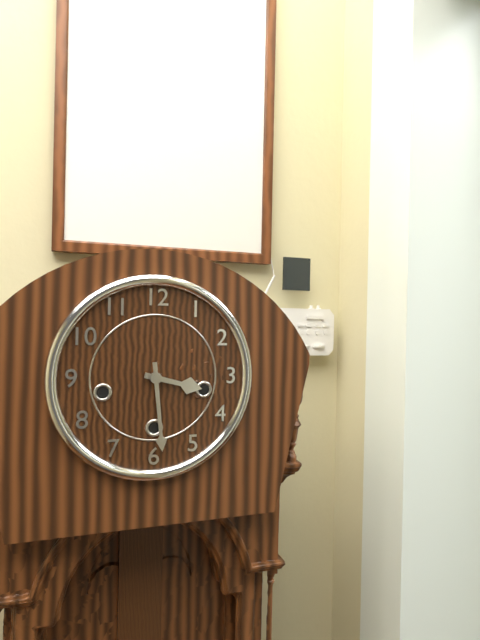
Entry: 3 h 29 min
